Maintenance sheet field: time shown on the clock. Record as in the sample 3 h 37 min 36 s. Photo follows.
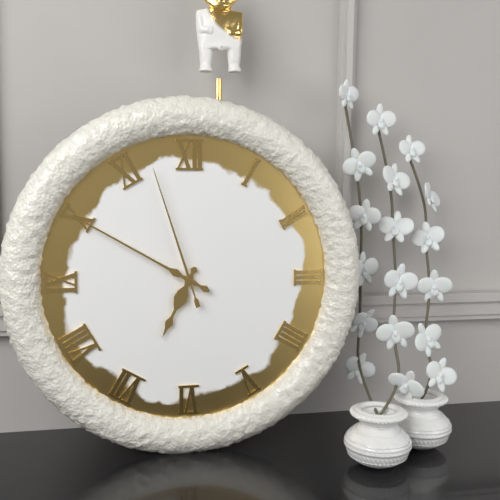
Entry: 6 h 50 min 57 s
